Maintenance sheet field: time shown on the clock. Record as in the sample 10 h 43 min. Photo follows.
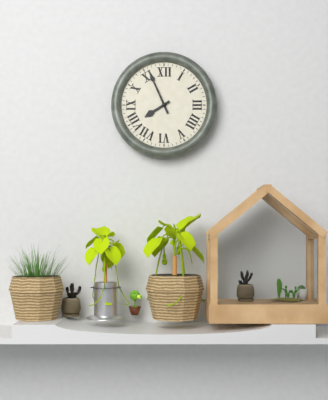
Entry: 7 h 56 min
